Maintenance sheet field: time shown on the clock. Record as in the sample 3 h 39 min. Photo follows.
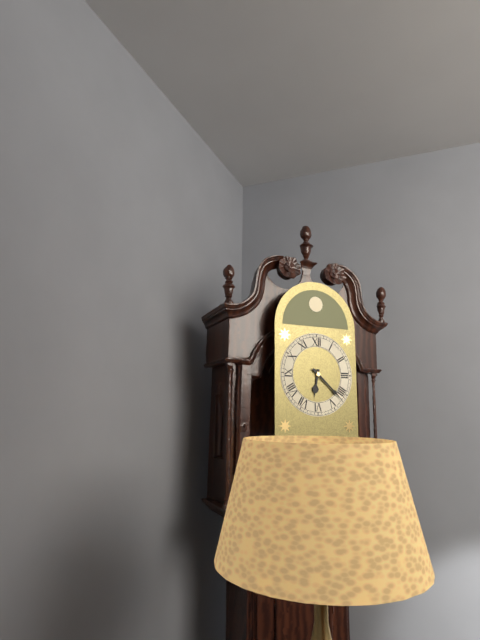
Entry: 6 h 22 min
